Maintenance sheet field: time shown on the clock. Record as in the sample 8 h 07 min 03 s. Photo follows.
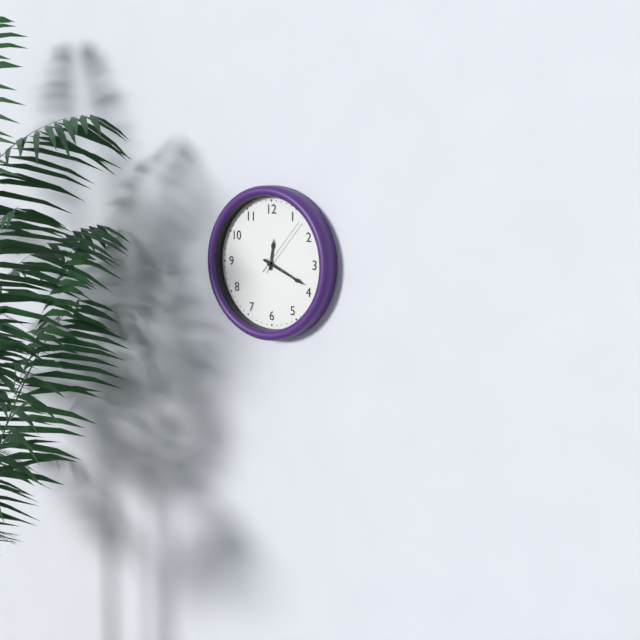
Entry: 12 h 19 min 07 s
